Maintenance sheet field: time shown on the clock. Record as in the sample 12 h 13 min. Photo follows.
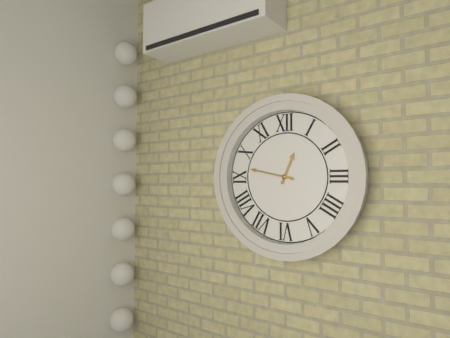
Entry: 12 h 47 min
